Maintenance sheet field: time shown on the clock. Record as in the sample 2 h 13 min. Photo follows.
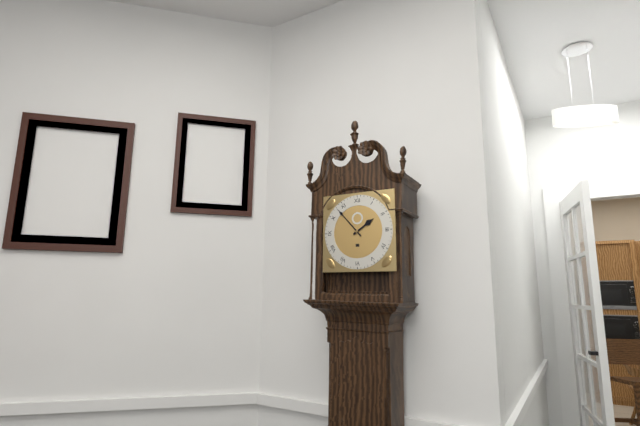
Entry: 1 h 53 min
